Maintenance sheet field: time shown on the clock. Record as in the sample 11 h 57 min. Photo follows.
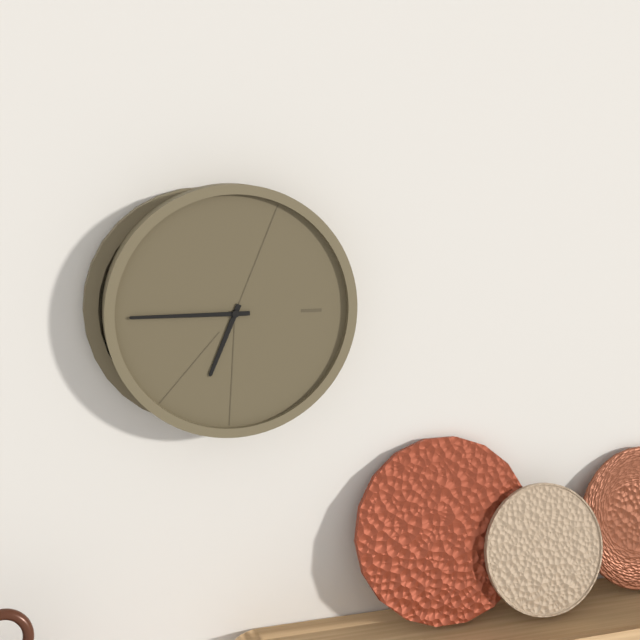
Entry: 6 h 45 min
